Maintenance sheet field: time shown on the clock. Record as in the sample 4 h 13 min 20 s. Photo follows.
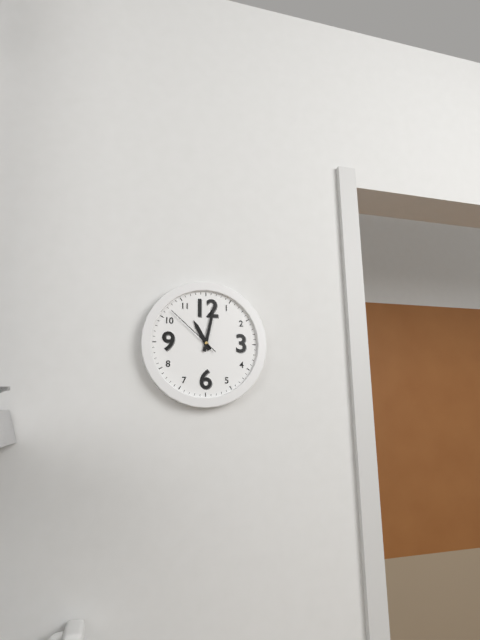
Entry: 11 h 02 min 52 s
